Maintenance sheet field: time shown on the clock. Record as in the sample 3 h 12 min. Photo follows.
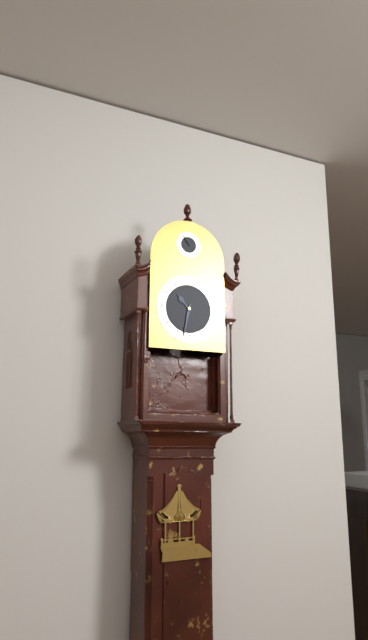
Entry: 10 h 32 min
